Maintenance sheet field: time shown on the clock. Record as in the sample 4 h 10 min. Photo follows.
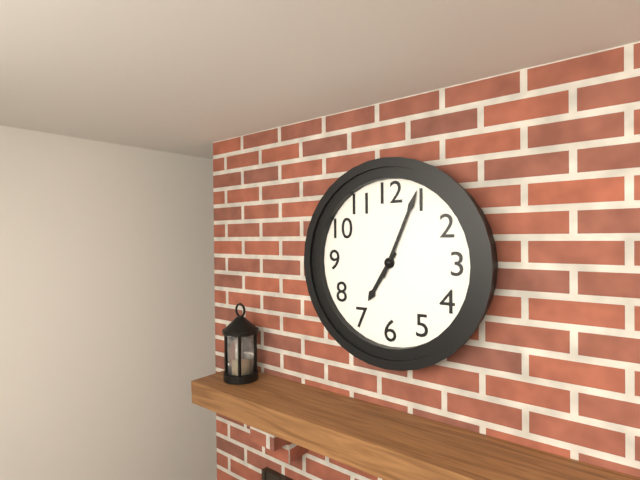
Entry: 7 h 04 min
